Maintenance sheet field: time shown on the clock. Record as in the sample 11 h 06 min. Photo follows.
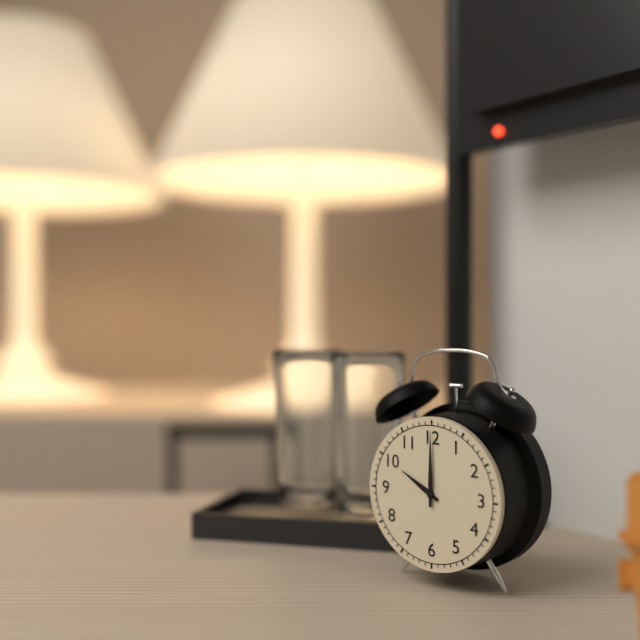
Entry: 10 h 00 min
